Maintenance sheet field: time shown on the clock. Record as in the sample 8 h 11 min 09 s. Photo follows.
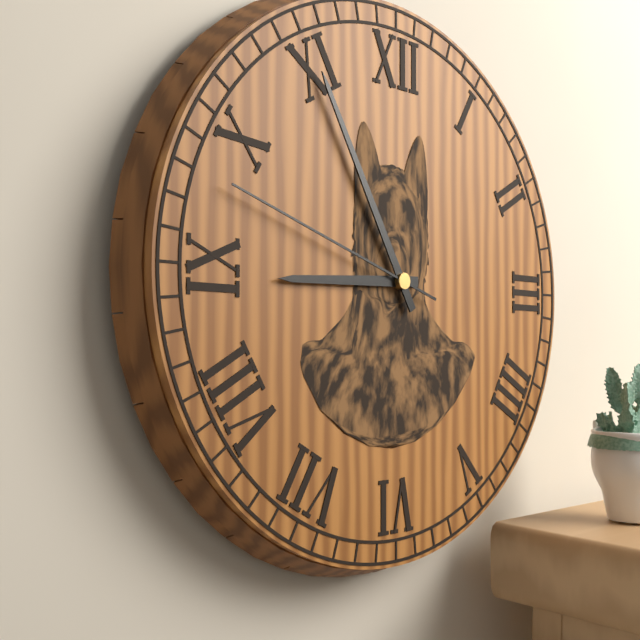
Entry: 8 h 55 min 48 s
